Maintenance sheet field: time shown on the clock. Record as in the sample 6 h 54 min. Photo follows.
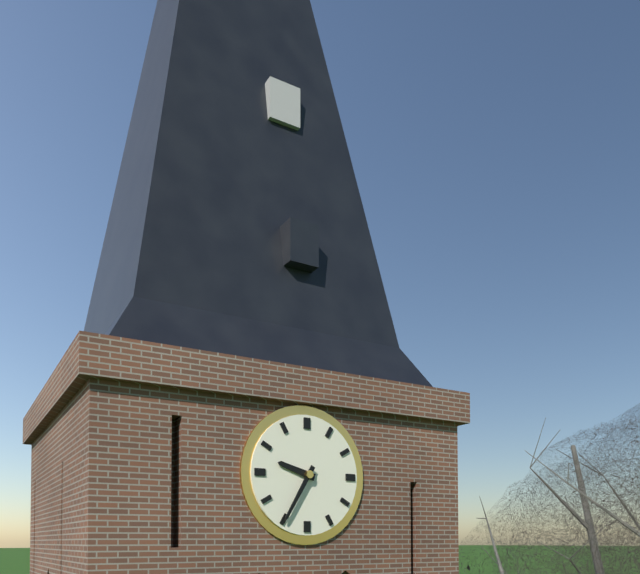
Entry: 9 h 35 min
